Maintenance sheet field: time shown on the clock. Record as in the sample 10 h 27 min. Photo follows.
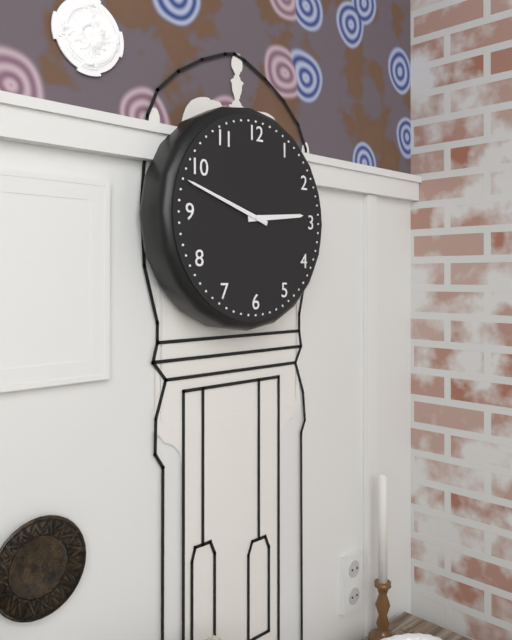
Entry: 2 h 48 min
